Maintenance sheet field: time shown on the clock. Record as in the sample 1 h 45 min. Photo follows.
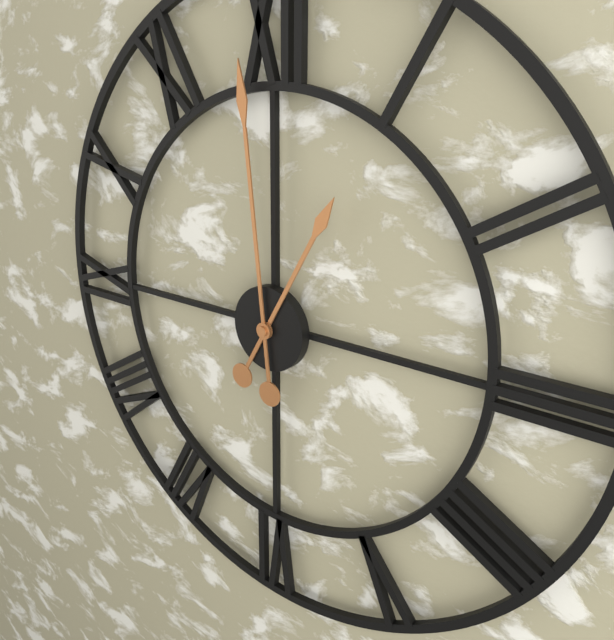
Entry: 12 h 59 min
